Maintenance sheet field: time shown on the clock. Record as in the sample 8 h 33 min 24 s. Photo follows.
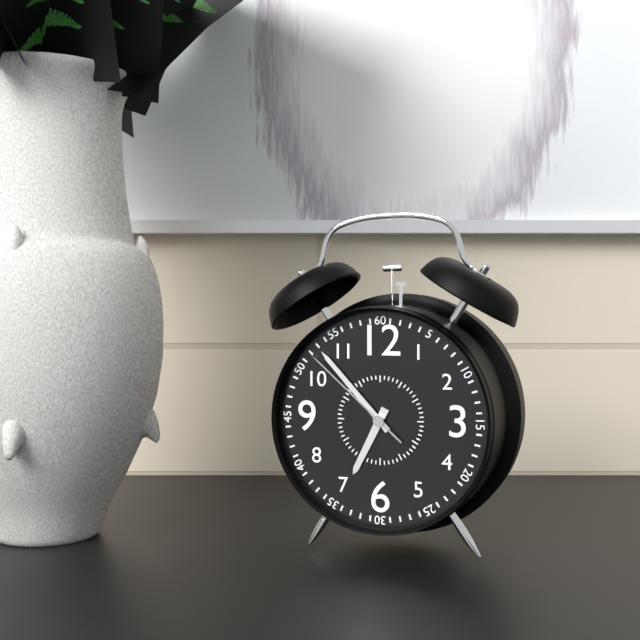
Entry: 6 h 53 min 52 s
